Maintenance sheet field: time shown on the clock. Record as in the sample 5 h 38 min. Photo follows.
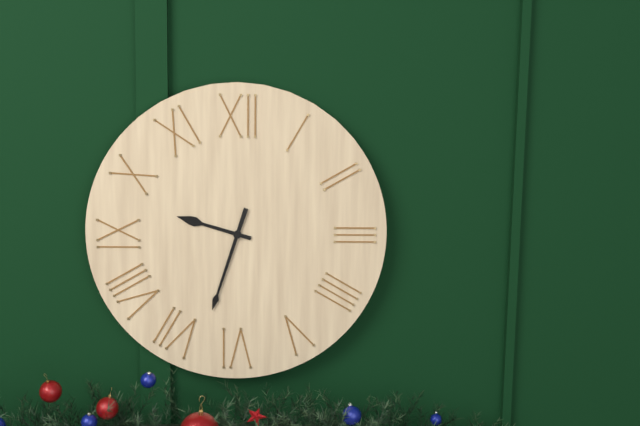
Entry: 9 h 33 min
